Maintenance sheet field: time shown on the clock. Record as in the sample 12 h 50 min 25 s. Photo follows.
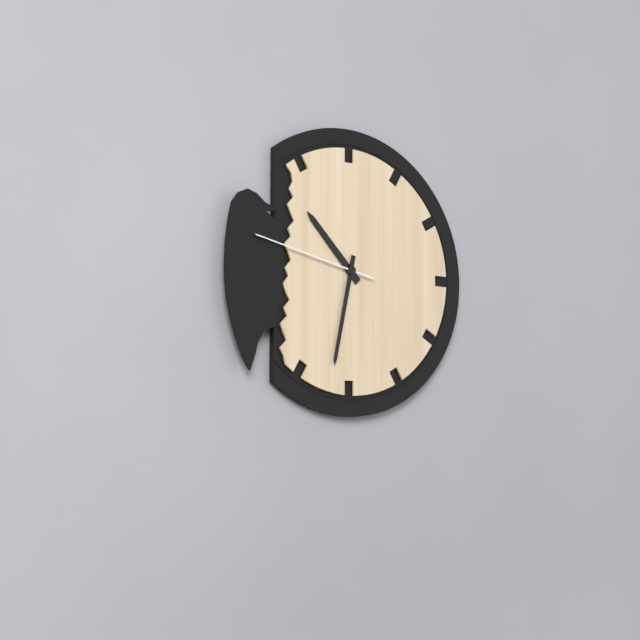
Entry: 10 h 32 min 47 s
